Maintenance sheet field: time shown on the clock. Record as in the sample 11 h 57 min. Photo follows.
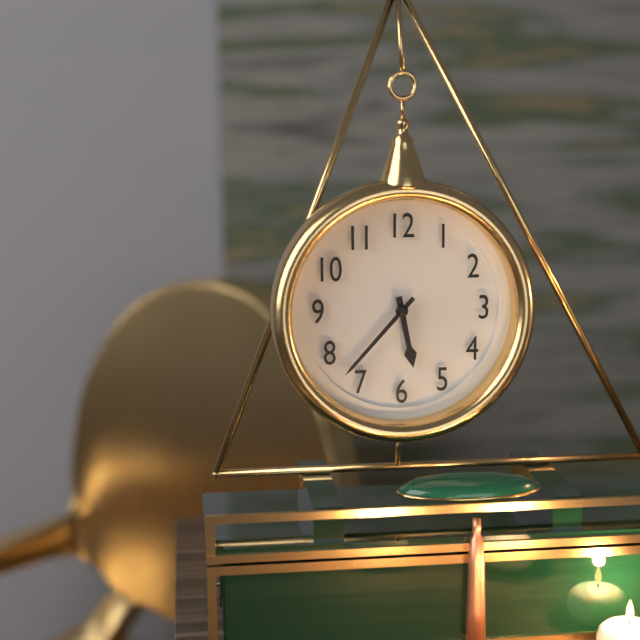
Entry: 5 h 37 min
